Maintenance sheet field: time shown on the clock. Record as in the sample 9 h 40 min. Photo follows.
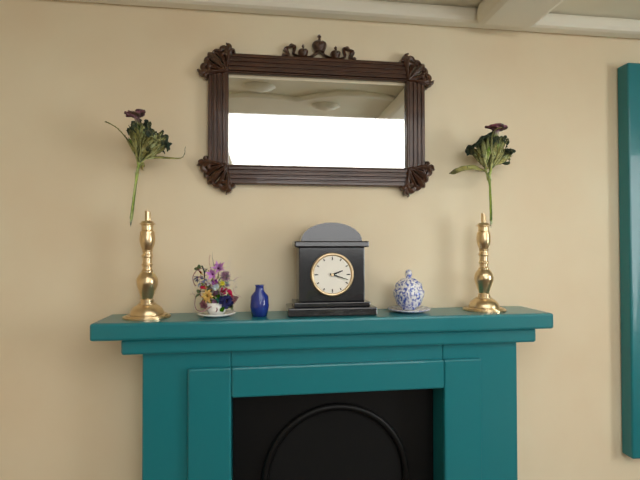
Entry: 2 h 18 min
